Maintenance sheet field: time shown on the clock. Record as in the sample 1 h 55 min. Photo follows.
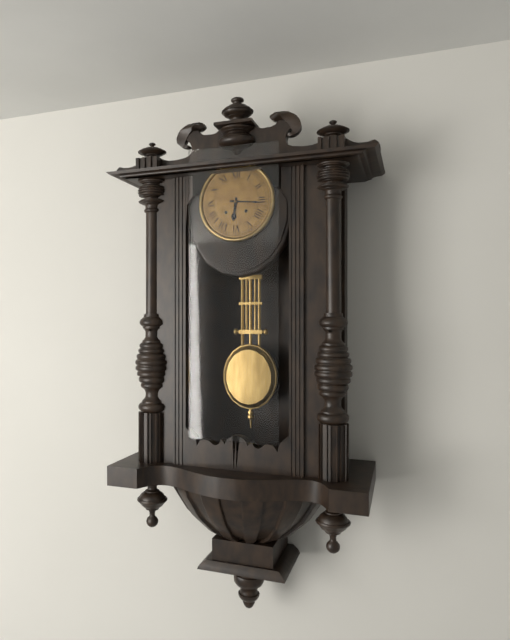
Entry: 6 h 16 min
